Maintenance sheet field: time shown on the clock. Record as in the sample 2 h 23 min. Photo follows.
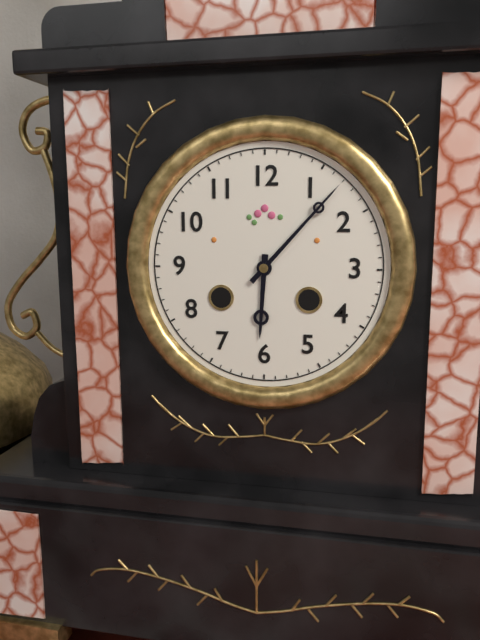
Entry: 6 h 07 min
